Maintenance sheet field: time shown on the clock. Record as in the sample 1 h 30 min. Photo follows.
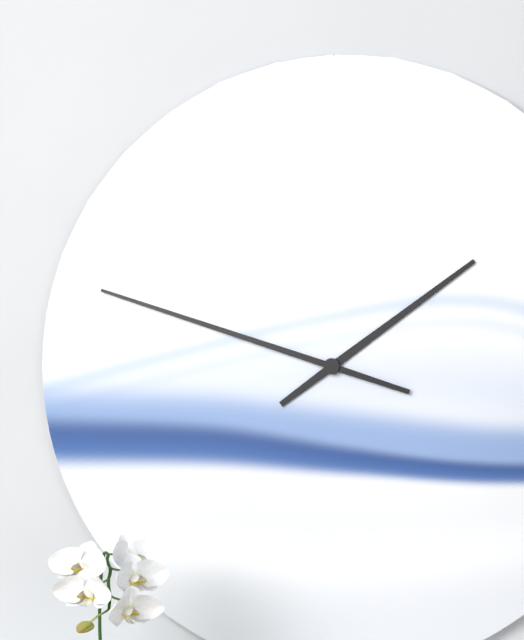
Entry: 1 h 48 min
